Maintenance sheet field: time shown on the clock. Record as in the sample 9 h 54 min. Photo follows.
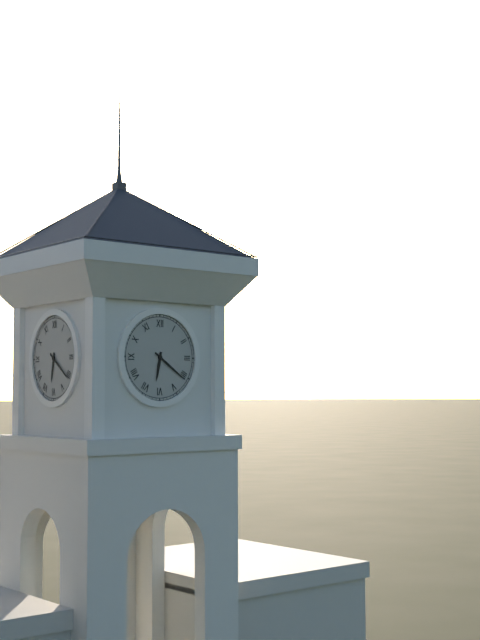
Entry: 6 h 21 min
